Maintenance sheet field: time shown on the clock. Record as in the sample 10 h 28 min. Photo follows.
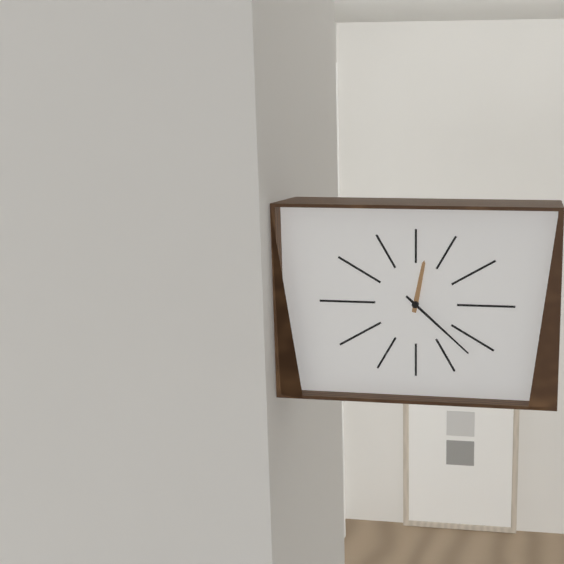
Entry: 12 h 22 min
